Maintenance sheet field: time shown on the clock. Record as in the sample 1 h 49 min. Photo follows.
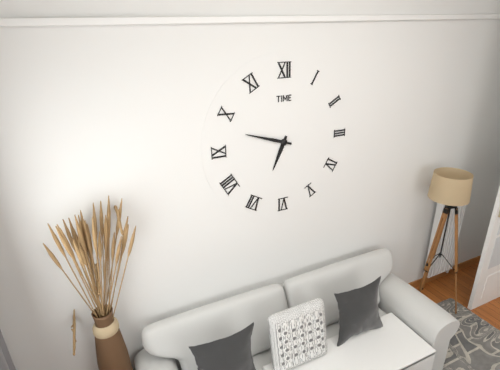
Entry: 6 h 48 min
